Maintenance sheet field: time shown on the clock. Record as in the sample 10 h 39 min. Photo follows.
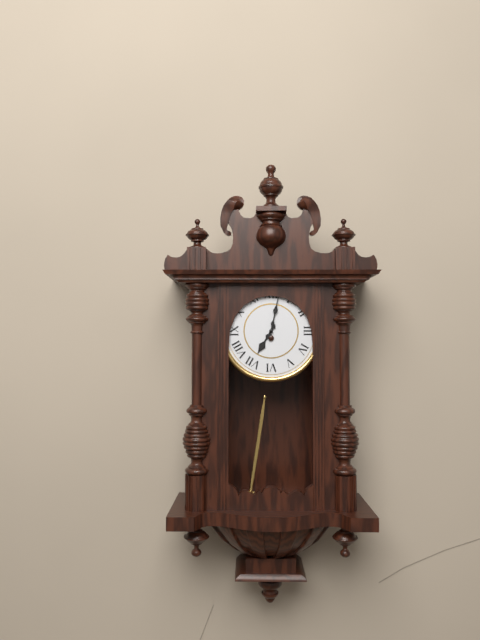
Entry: 7 h 02 min
